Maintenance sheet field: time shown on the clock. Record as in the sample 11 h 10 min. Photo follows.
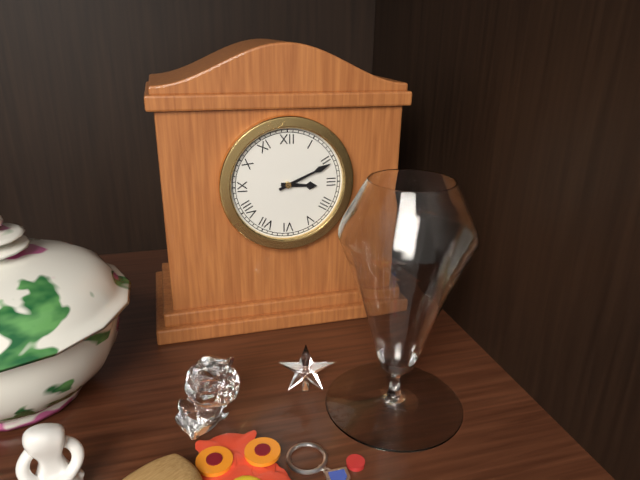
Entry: 3 h 11 min
